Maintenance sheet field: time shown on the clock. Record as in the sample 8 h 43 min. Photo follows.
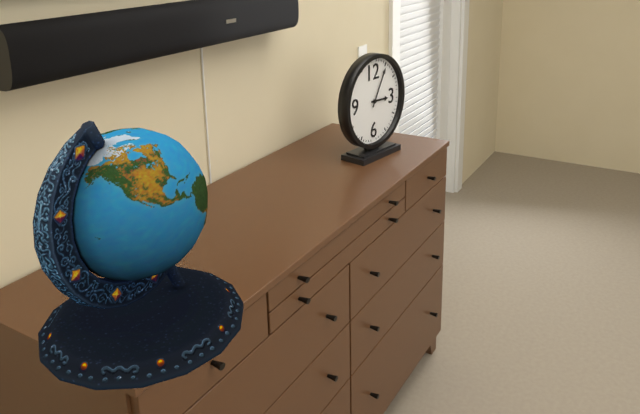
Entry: 3 h 05 min
